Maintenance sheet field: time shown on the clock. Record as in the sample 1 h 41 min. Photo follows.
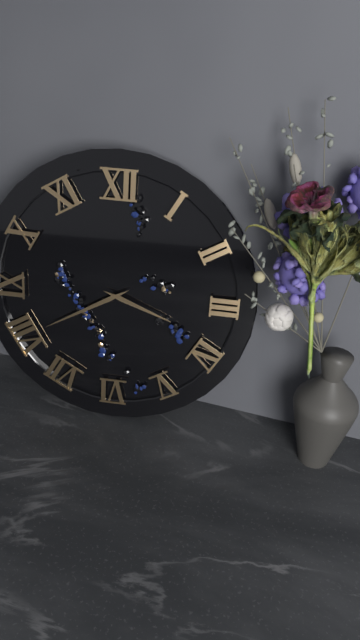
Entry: 3 h 40 min
